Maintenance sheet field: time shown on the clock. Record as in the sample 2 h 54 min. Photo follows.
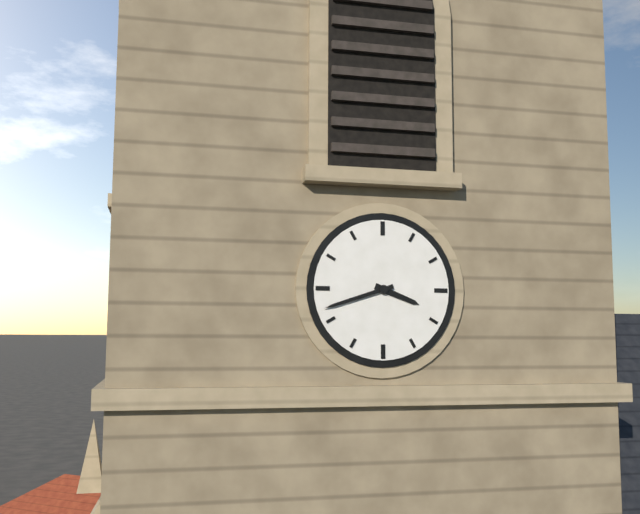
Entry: 3 h 42 min
